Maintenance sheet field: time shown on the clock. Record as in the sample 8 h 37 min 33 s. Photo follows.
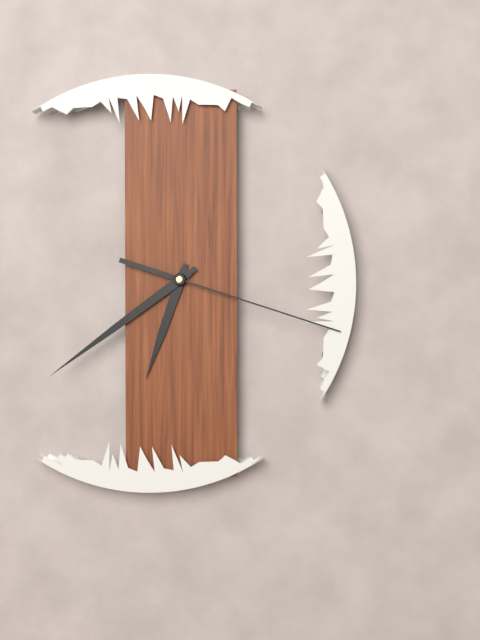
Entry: 6 h 39 min 18 s
